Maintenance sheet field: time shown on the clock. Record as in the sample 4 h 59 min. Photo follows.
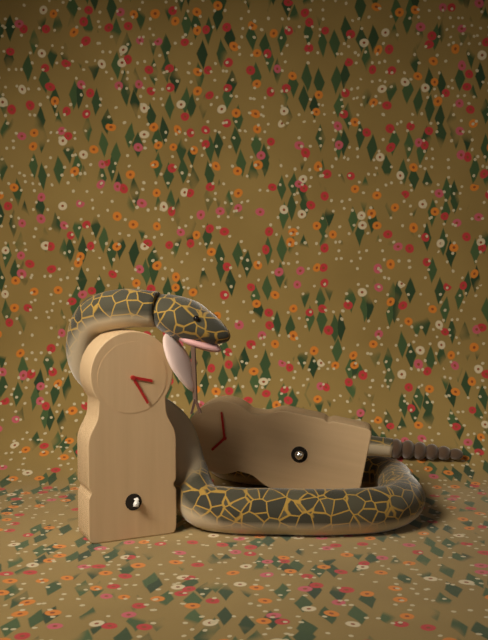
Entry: 3 h 25 min
